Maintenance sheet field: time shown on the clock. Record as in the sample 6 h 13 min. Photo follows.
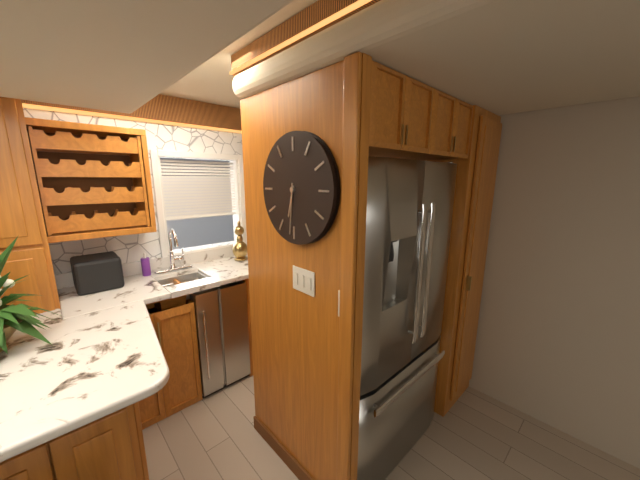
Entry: 6 h 31 min
